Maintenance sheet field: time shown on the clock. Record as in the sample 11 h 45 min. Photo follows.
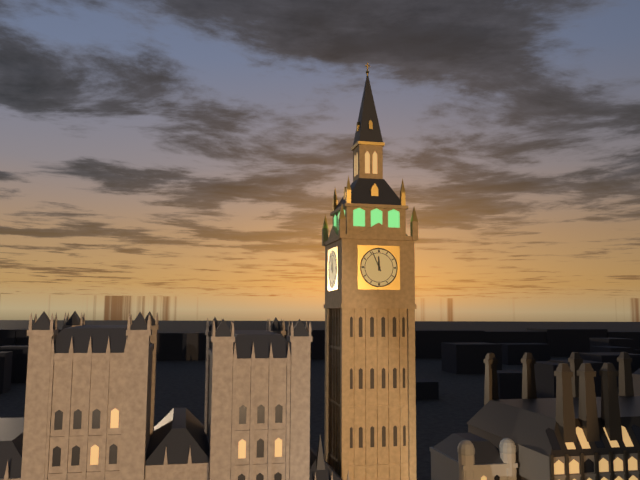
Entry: 11 h 56 min
